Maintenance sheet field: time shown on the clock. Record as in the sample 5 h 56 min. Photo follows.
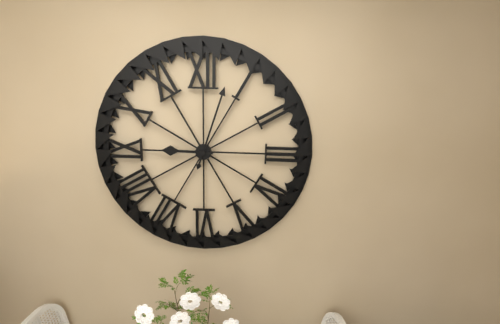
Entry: 9 h 03 min
